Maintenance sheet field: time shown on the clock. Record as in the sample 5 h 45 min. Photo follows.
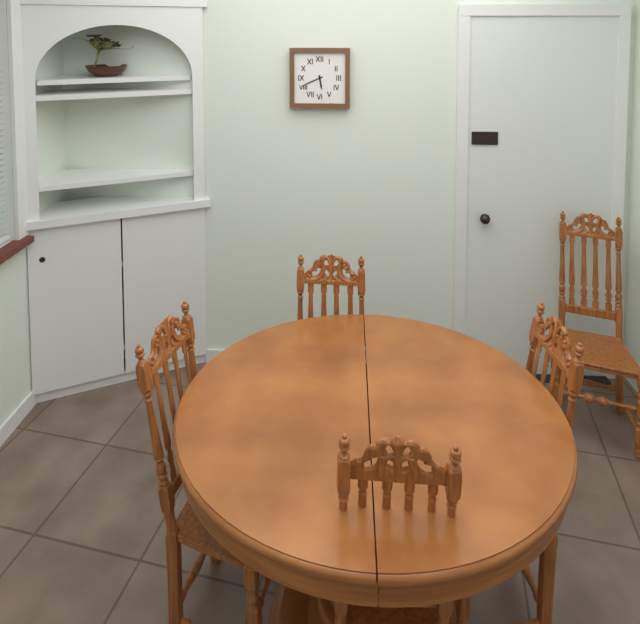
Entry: 5 h 41 min
